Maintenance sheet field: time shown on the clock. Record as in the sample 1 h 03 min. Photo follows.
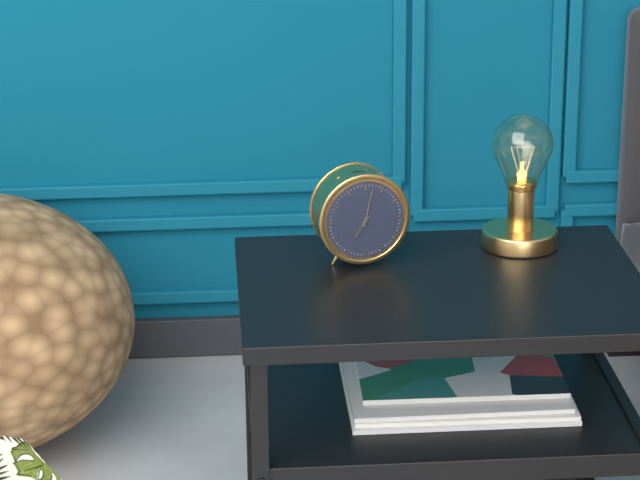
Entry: 7 h 02 min
